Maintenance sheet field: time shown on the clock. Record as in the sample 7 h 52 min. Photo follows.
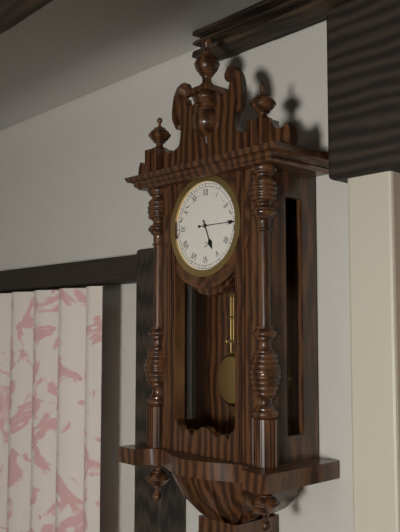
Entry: 5 h 15 min
